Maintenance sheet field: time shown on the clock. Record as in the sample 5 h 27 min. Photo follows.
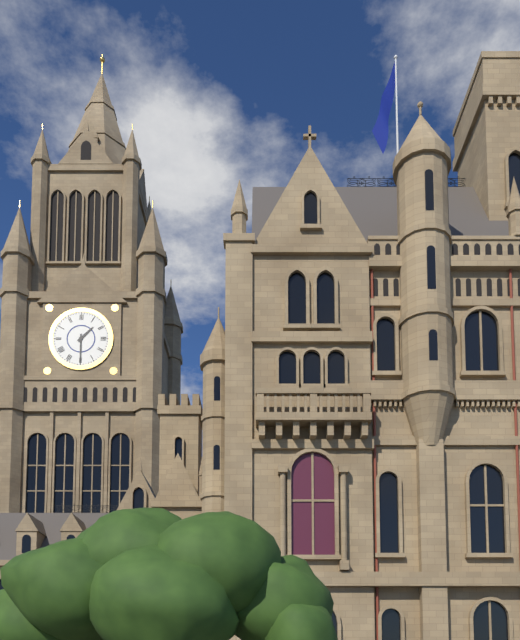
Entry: 1 h 30 min
